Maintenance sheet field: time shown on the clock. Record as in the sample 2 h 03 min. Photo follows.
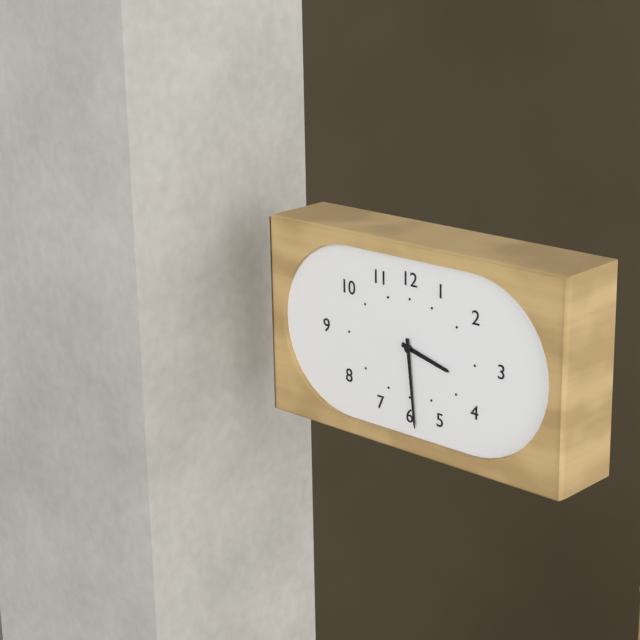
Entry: 3 h 29 min
